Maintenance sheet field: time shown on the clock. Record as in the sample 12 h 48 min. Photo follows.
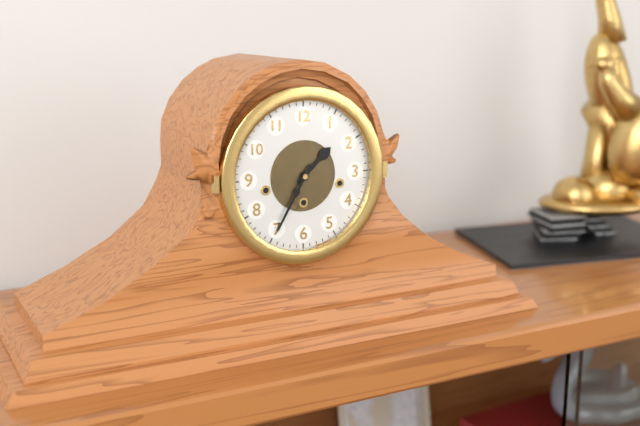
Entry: 1 h 35 min
